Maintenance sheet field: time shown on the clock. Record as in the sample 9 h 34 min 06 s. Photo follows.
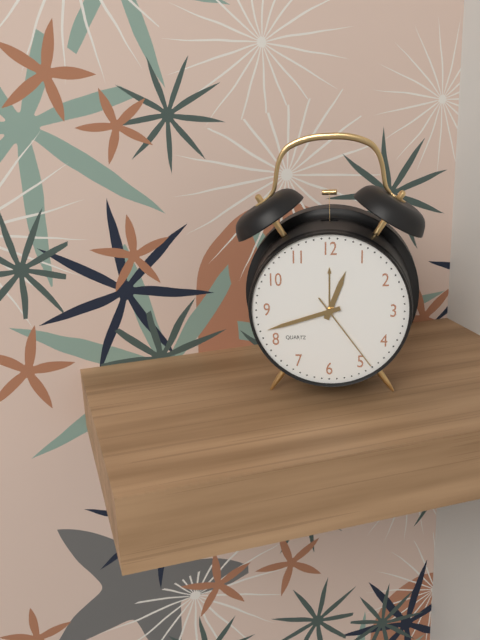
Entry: 12 h 42 min 24 s
